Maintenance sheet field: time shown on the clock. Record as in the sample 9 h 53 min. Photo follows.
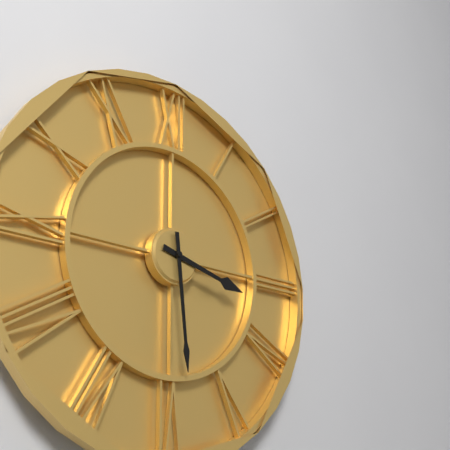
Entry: 3 h 29 min
